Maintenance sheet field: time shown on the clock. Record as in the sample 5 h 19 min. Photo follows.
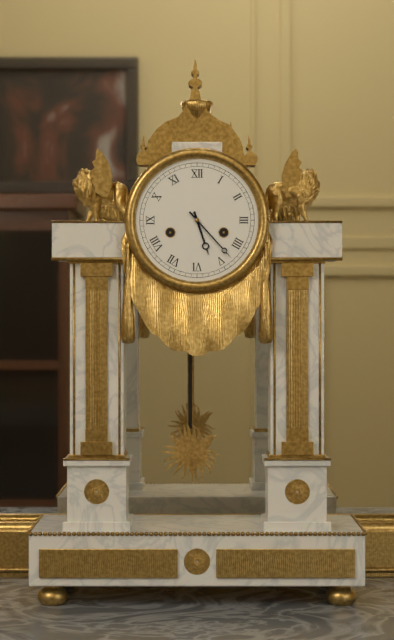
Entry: 5 h 23 min
